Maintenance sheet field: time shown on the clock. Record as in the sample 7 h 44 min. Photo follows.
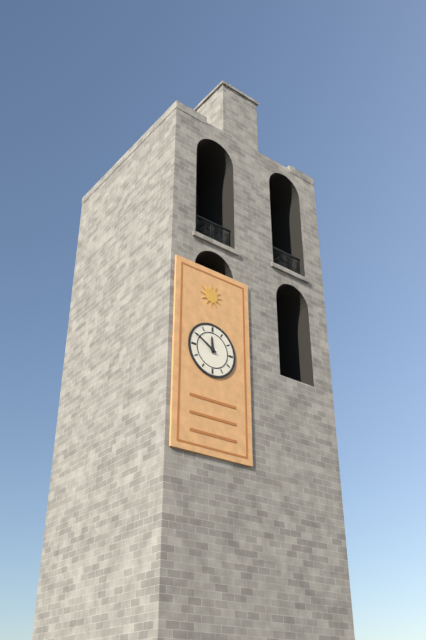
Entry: 11 h 50 min
